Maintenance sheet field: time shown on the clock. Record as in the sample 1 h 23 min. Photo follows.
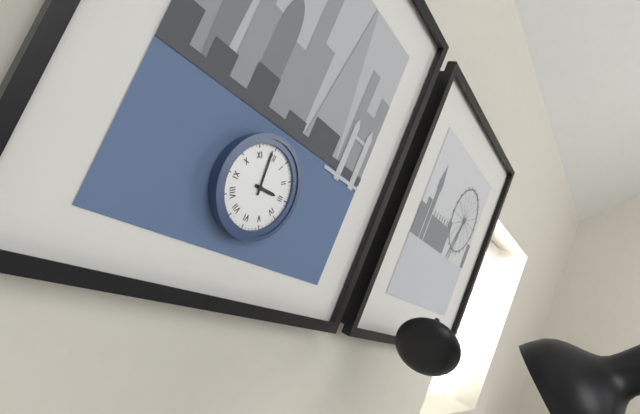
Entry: 2 h 59 min
